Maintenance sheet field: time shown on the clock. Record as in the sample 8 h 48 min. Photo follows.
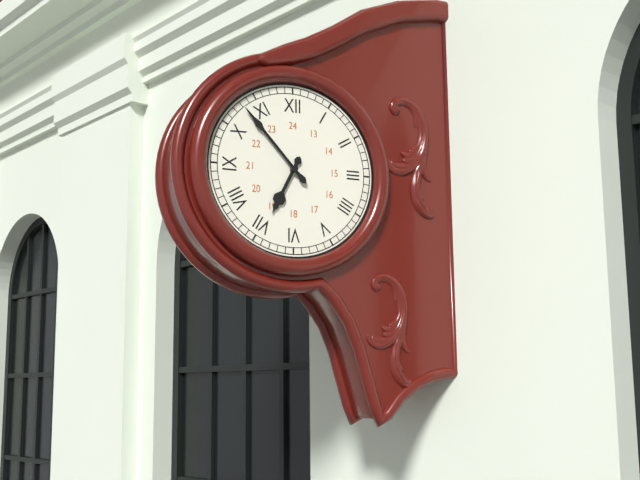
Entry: 6 h 53 min
